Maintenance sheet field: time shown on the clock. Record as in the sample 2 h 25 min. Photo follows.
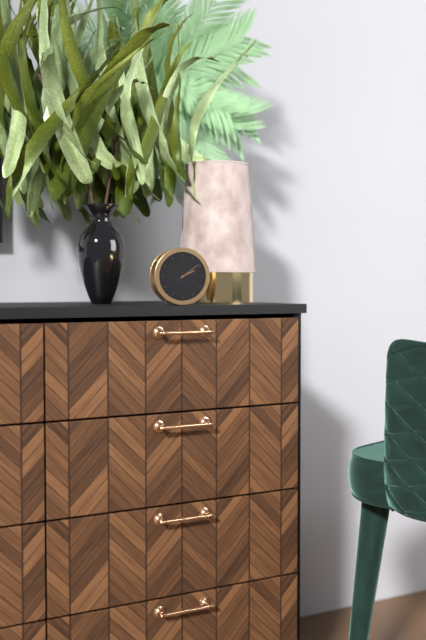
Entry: 2 h 09 min
